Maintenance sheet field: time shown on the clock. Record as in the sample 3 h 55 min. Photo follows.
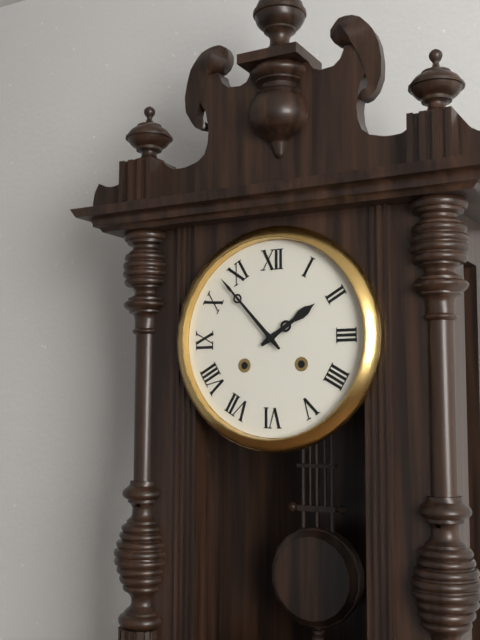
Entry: 1 h 53 min
